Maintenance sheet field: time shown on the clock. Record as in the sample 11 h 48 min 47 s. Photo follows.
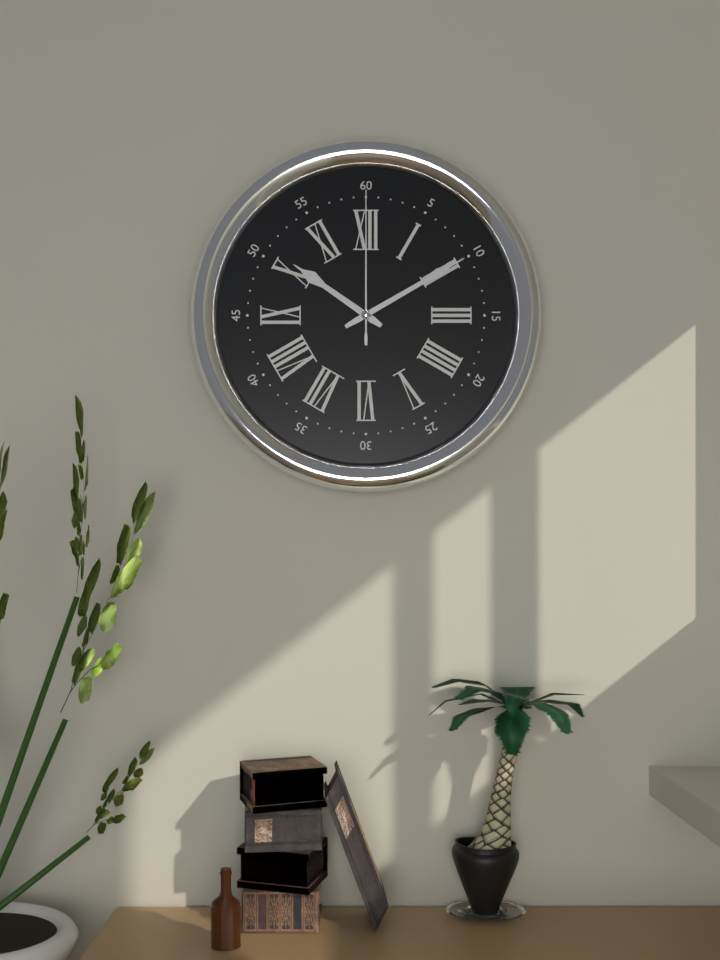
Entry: 10 h 10 min 00 s
